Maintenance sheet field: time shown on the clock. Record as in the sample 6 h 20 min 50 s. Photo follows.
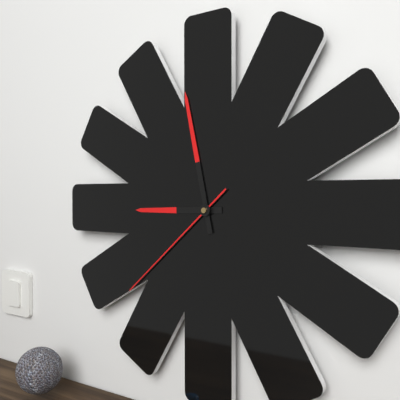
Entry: 8 h 58 min 38 s
